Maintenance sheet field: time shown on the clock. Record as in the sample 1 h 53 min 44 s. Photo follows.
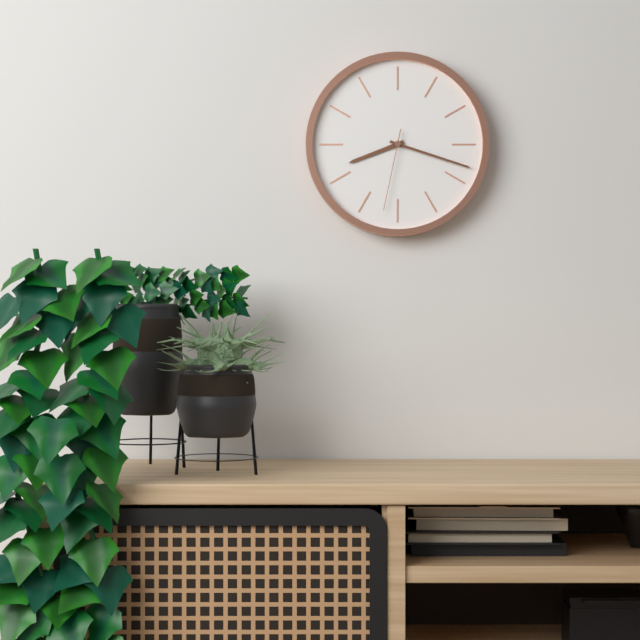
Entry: 8 h 18 min 32 s
